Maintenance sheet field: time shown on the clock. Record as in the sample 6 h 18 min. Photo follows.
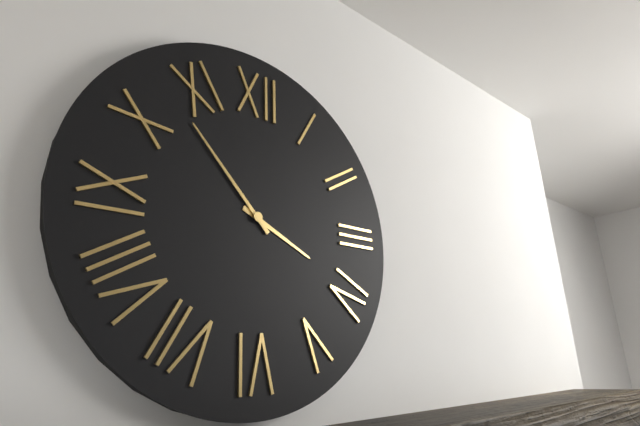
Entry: 3 h 53 min
